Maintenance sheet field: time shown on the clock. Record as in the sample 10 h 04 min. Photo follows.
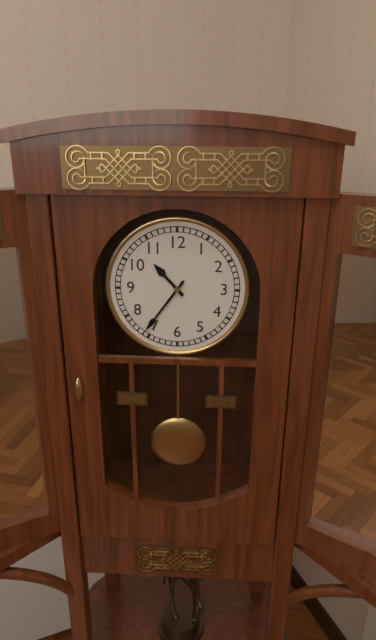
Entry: 10 h 36 min
